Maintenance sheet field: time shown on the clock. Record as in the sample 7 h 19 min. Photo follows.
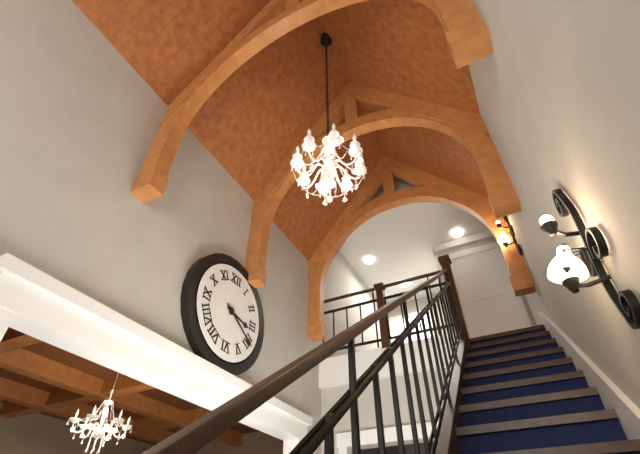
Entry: 3 h 20 min
